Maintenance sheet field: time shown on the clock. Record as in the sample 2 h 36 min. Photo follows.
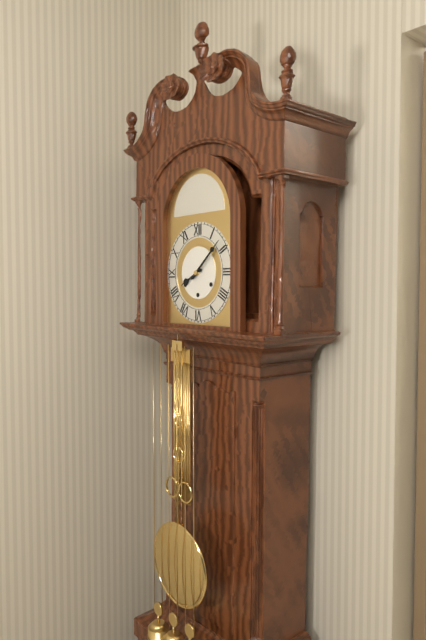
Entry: 8 h 08 min
